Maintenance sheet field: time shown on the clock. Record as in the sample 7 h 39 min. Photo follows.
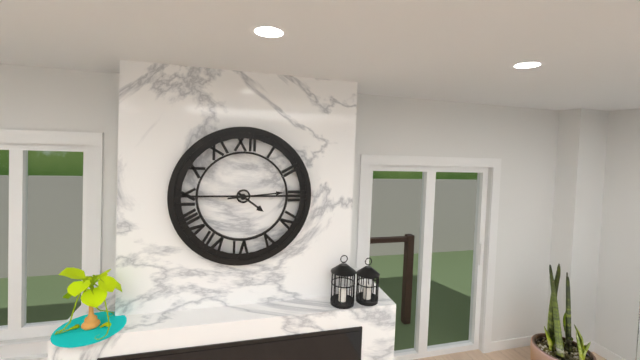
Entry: 4 h 14 min
